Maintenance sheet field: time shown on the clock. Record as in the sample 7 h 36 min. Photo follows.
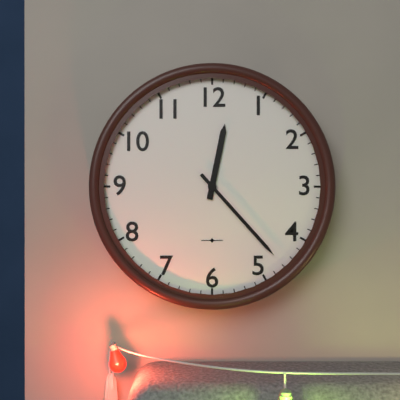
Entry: 12 h 23 min
